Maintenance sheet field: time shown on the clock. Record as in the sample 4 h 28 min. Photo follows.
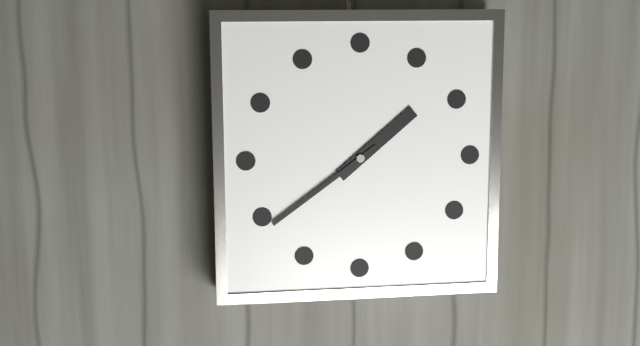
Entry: 1 h 39 min
